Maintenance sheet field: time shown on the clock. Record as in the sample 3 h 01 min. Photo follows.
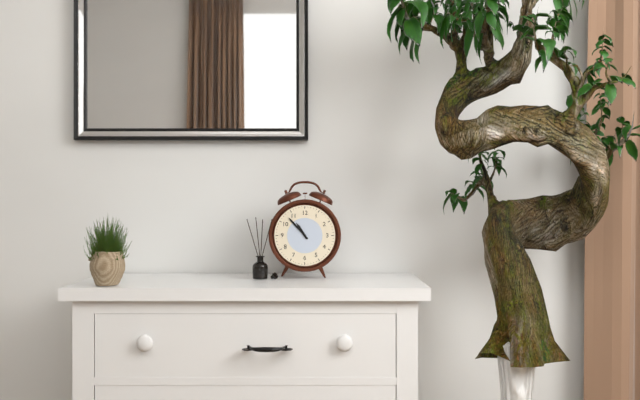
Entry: 10 h 53 min
